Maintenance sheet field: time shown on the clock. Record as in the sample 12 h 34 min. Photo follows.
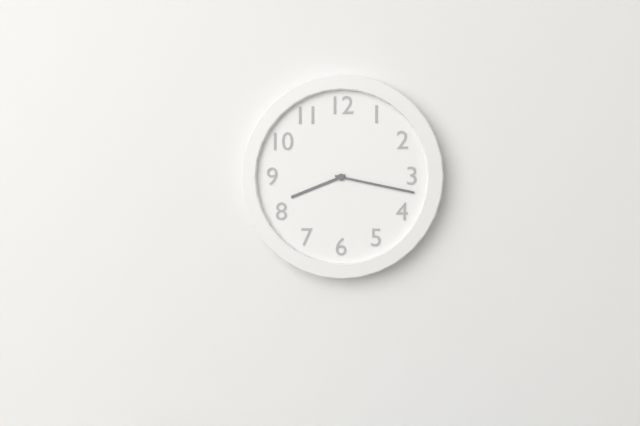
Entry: 8 h 17 min
